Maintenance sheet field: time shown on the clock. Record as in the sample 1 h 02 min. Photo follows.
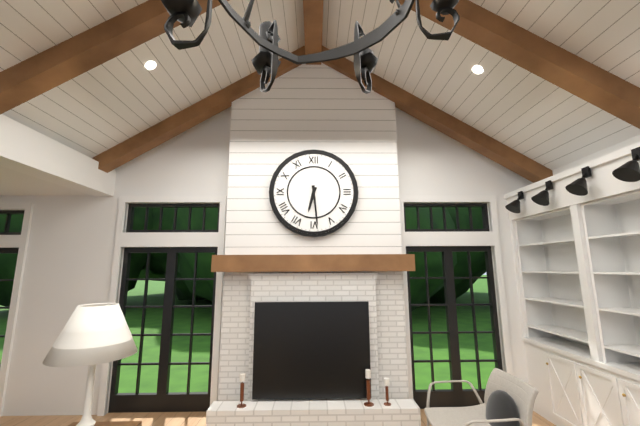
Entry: 6 h 29 min
